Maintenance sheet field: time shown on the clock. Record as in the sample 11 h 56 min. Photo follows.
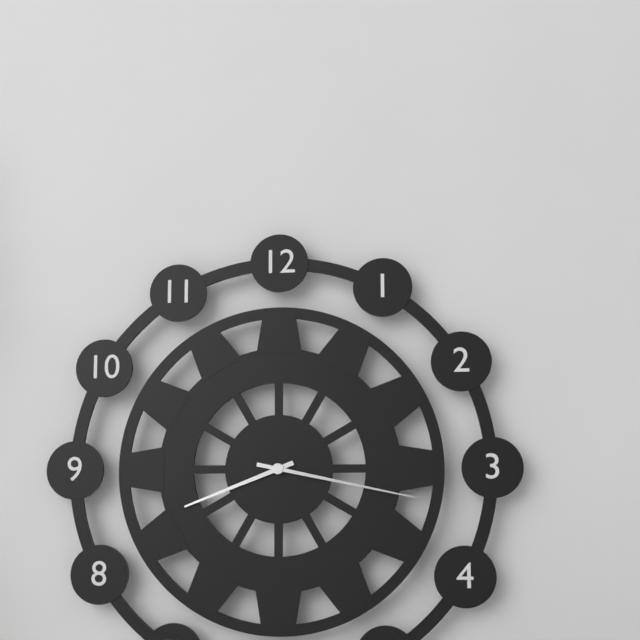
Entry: 8 h 17 min
